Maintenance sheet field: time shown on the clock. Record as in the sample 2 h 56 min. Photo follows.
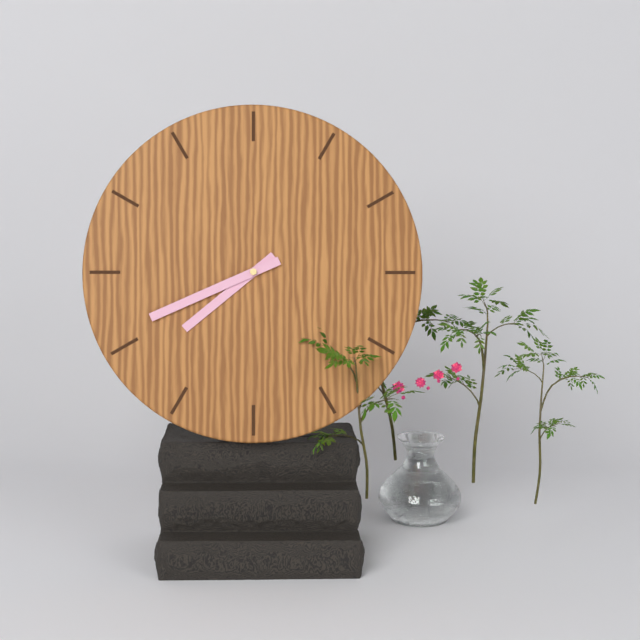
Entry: 7 h 41 min
